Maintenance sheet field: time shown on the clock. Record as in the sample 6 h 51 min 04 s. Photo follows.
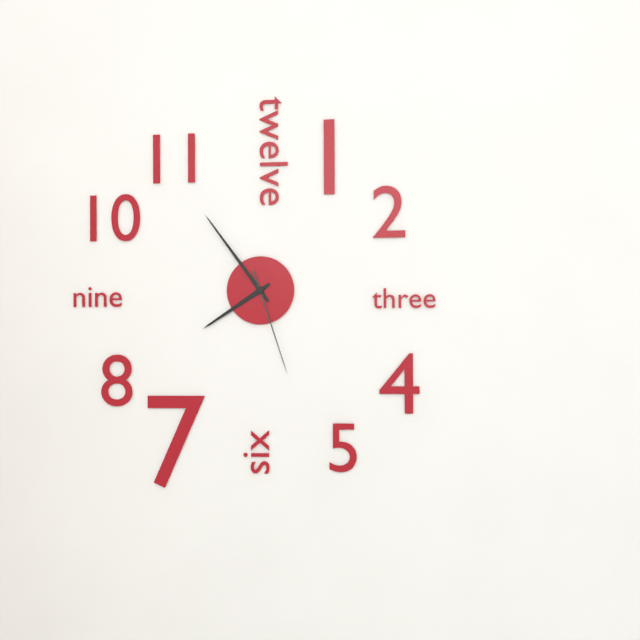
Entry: 7 h 54 min 27 s
